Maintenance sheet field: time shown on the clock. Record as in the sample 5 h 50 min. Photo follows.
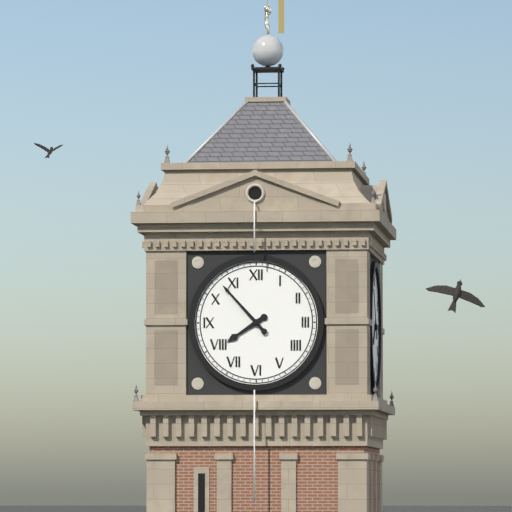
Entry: 7 h 53 min
